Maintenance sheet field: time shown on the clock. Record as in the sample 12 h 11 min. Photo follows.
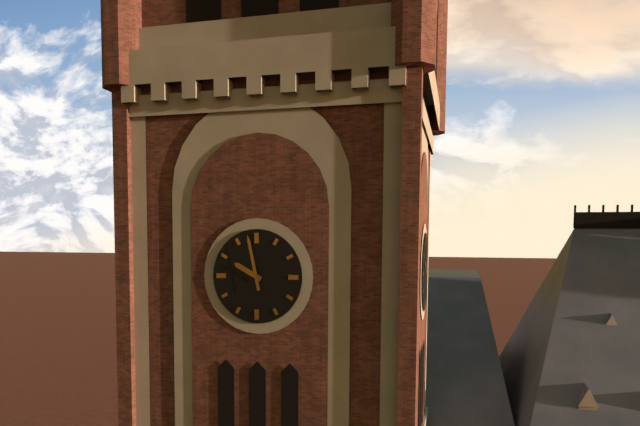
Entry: 9 h 58 min
